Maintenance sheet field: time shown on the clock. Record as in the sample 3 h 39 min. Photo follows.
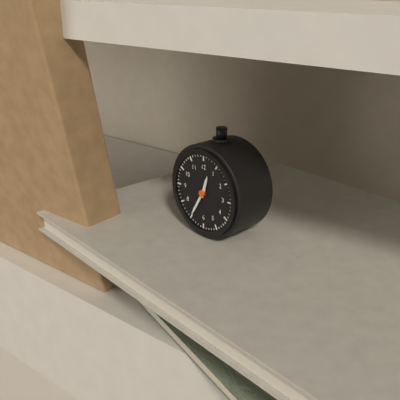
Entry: 12 h 35 min
